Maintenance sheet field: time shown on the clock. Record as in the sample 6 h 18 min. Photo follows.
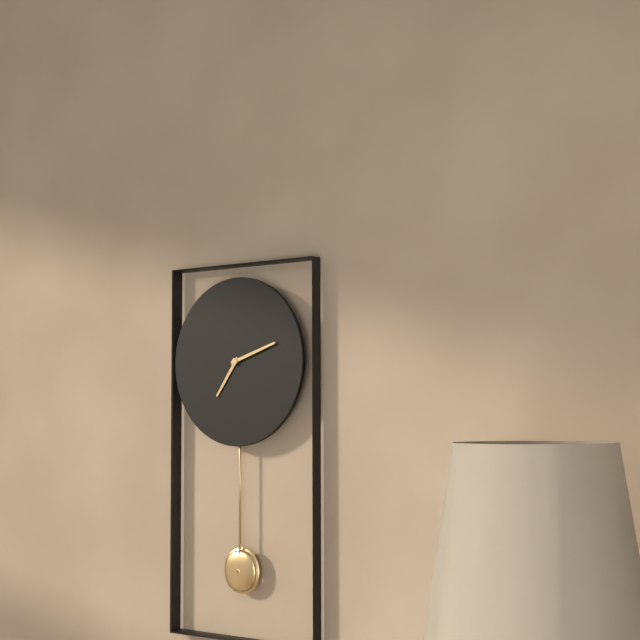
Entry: 7 h 12 min
